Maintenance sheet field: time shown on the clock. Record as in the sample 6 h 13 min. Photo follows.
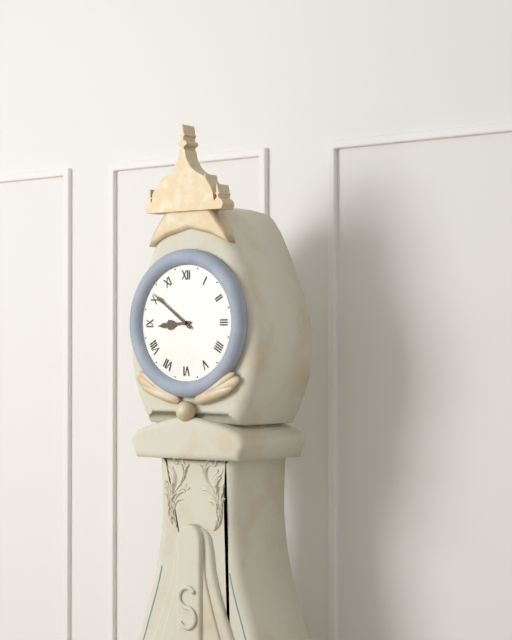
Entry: 8 h 51 min
